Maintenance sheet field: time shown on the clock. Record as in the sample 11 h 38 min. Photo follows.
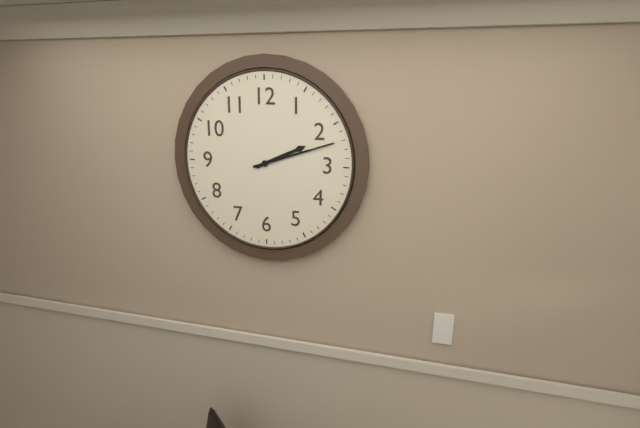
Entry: 2 h 12 min
